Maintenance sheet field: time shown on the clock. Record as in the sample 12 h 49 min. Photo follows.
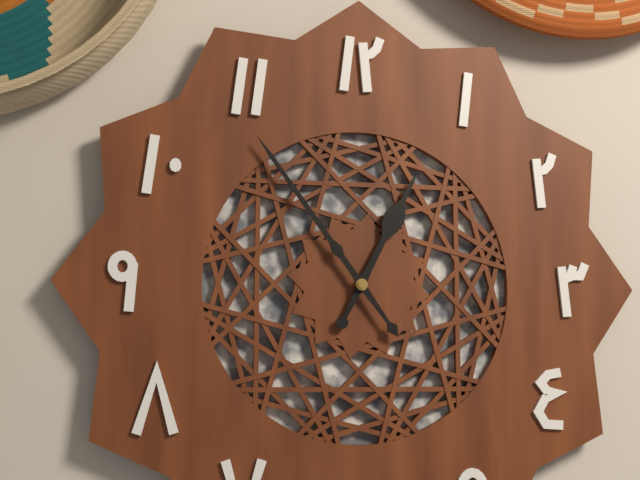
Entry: 12 h 54 min
